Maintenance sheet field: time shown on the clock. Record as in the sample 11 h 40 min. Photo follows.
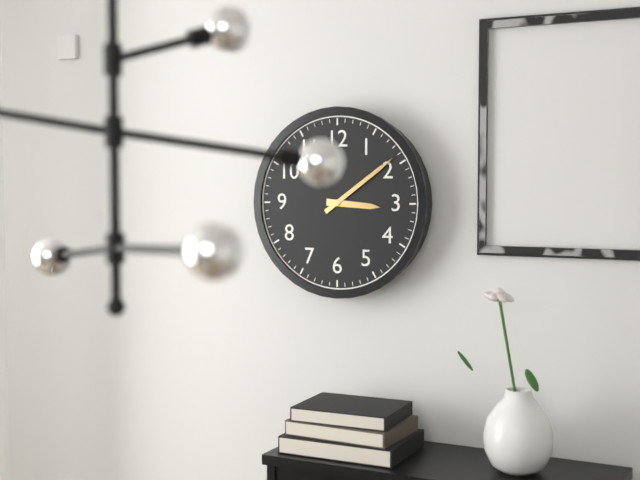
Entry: 3 h 09 min
